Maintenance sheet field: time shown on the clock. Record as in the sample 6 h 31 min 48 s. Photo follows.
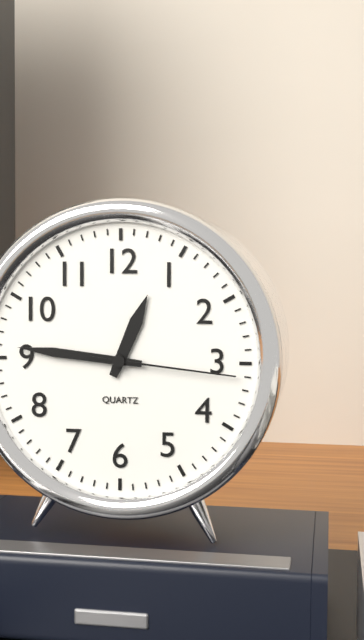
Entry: 12 h 46 min 16 s
